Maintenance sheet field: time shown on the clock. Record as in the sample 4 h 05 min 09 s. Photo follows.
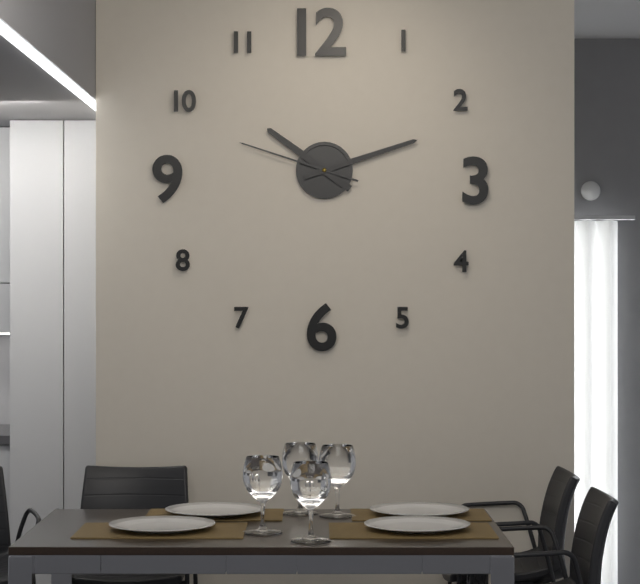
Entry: 10 h 12 min 48 s
